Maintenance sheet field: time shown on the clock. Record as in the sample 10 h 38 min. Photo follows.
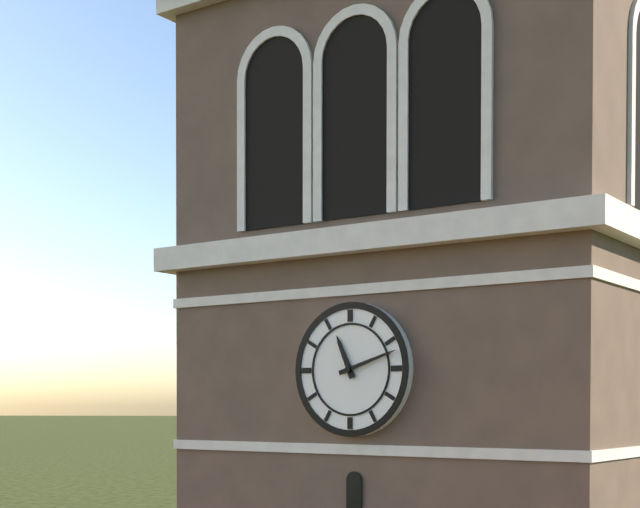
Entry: 11 h 12 min
